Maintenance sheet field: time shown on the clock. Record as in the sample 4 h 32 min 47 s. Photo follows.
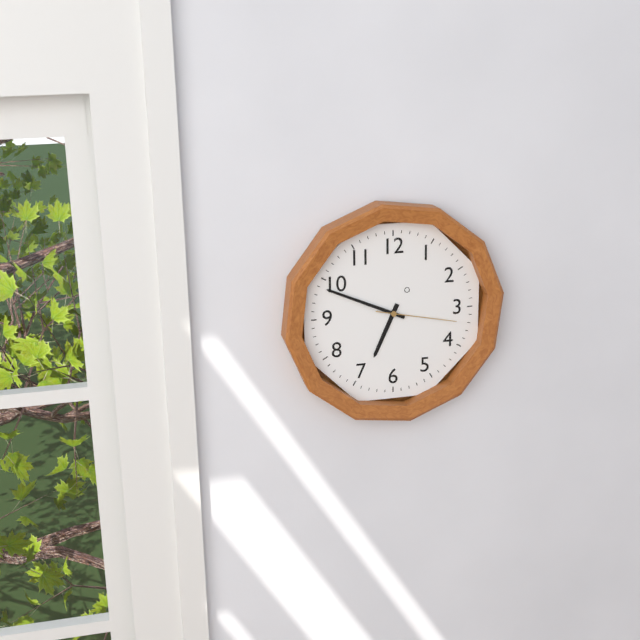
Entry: 6 h 49 min 17 s
